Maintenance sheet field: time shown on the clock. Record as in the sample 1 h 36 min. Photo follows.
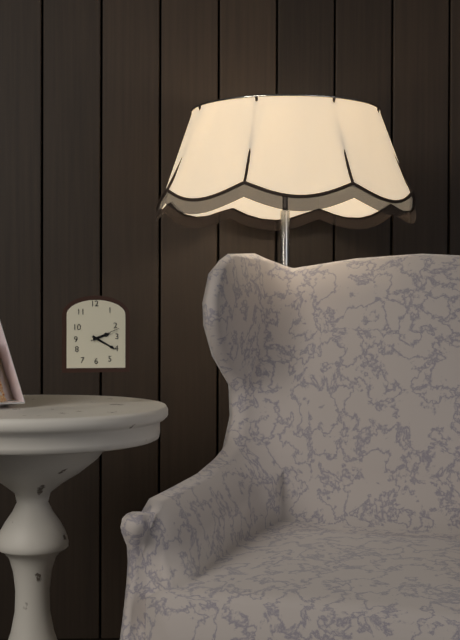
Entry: 2 h 20 min
